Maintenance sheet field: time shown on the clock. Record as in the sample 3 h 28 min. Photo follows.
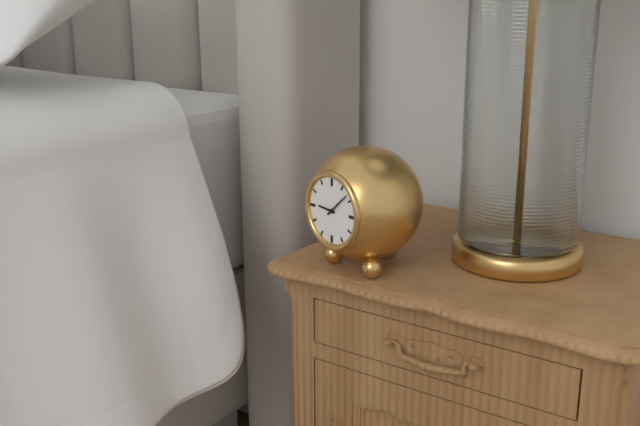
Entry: 9 h 08 min
